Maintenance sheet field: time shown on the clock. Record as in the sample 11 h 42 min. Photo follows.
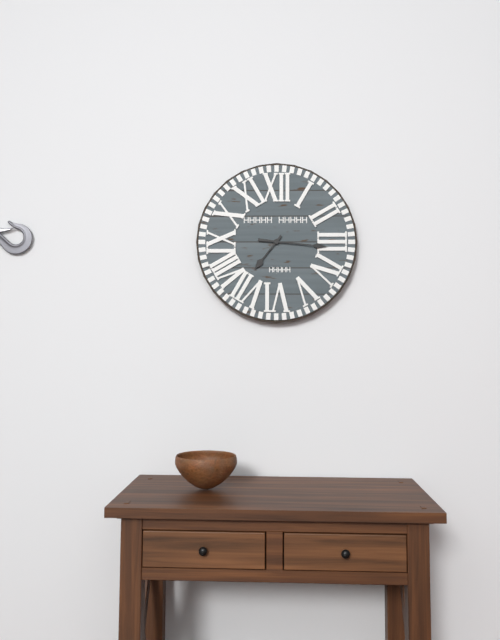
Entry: 7 h 16 min
